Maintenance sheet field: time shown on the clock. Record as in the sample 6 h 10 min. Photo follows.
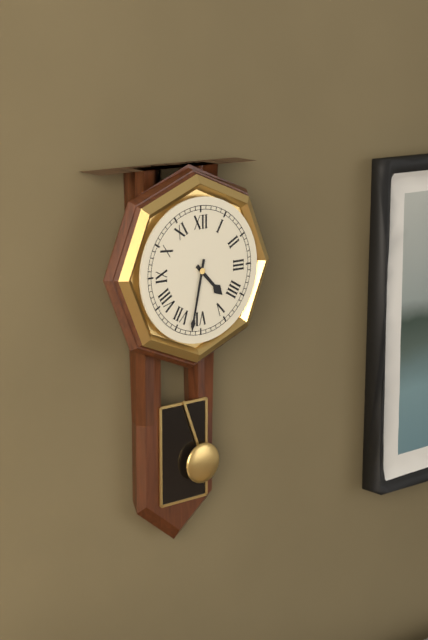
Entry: 4 h 32 min
